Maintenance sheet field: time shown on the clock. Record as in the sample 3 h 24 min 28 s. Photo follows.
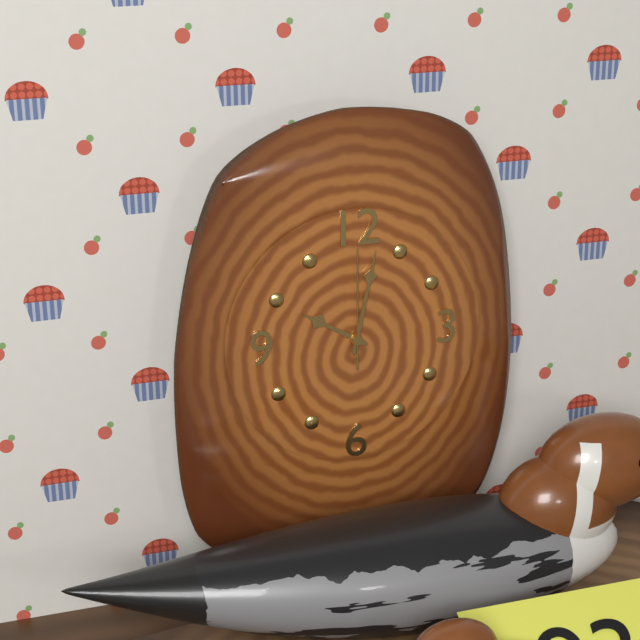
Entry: 10 h 02 min 00 s
